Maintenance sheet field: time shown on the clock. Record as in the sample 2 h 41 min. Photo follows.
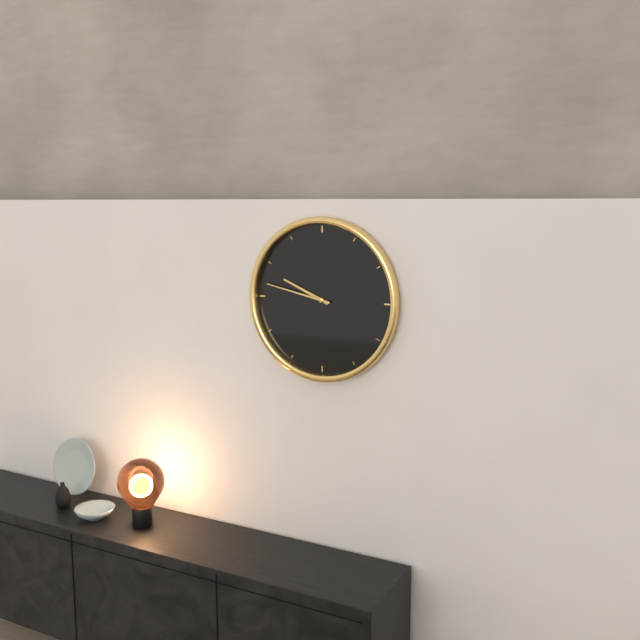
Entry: 9 h 47 min
